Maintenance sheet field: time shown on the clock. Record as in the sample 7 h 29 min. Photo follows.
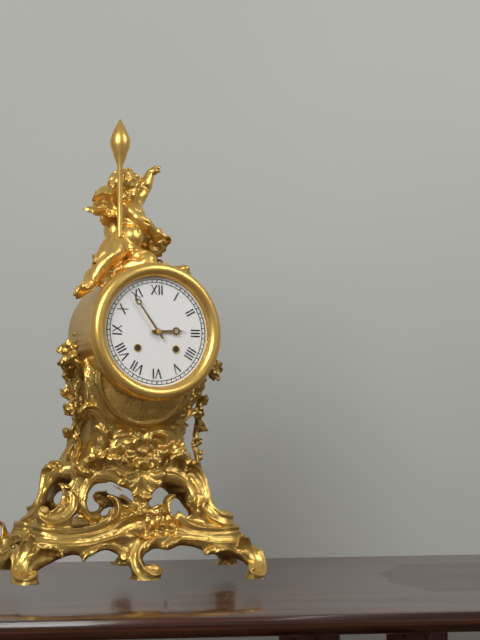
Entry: 2 h 54 min
